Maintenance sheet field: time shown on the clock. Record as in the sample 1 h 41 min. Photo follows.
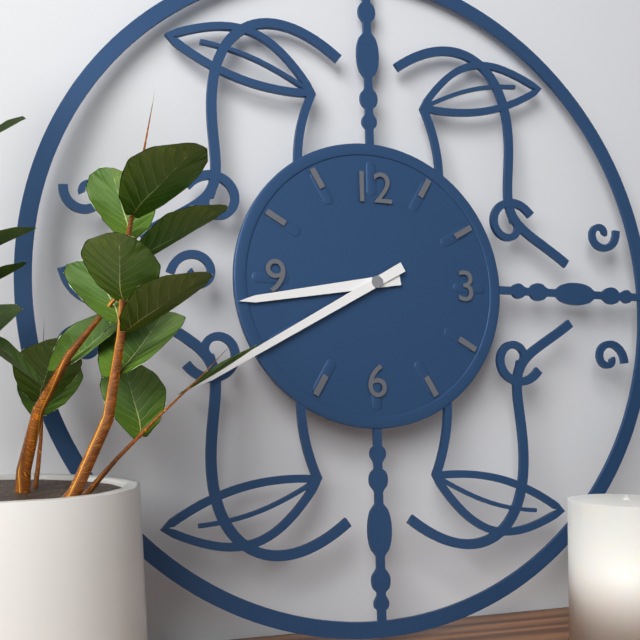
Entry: 8 h 40 min
